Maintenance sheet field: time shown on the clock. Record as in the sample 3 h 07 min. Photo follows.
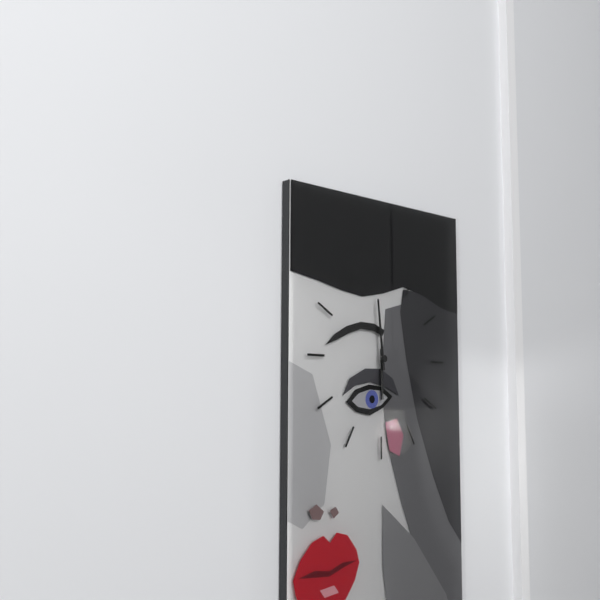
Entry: 5 h 59 min
